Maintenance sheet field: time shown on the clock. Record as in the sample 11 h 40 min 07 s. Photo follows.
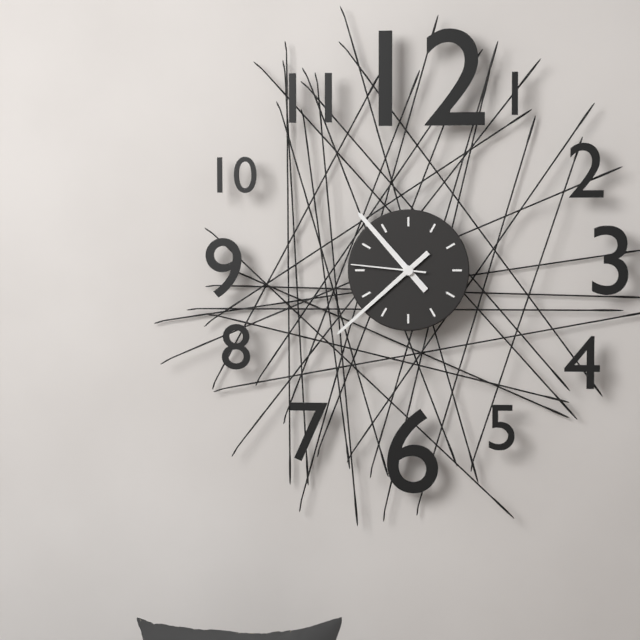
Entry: 10 h 38 min 46 s
